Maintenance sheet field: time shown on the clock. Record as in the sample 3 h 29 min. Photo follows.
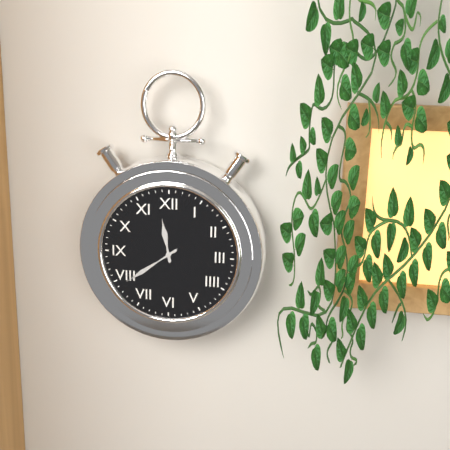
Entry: 11 h 39 min
